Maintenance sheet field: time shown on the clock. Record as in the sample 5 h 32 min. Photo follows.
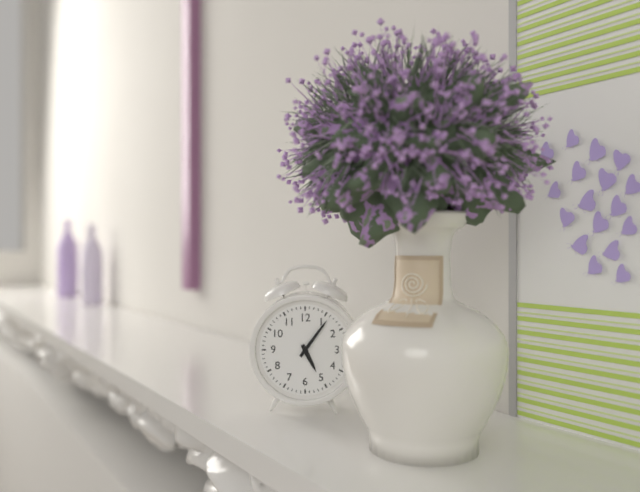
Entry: 5 h 06 min
